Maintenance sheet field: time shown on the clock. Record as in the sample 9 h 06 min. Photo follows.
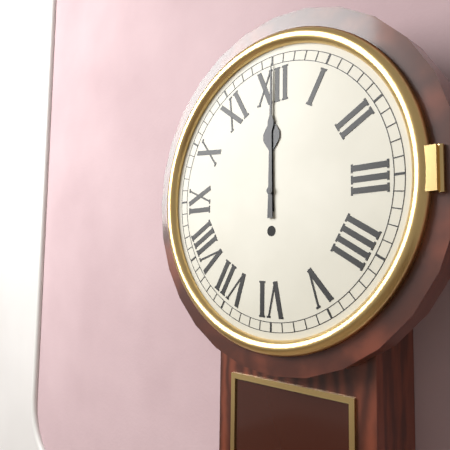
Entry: 12 h 00 min
